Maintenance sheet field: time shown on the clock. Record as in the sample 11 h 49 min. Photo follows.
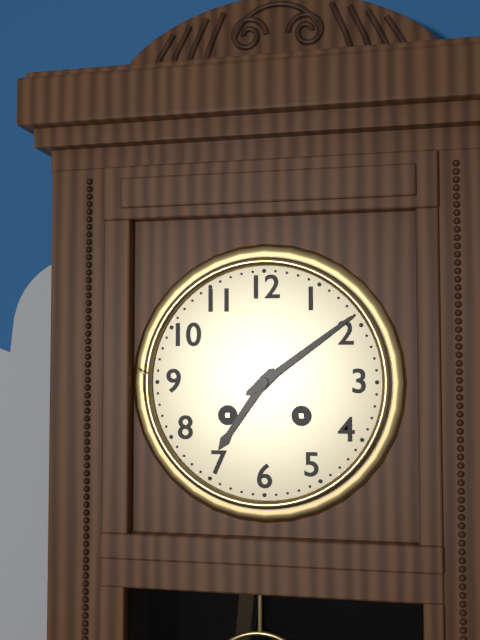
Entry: 7 h 09 min
